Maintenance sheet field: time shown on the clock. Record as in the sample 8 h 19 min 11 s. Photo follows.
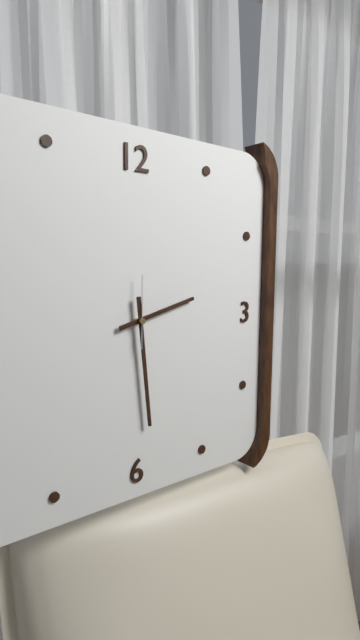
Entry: 2 h 29 min 00 s
